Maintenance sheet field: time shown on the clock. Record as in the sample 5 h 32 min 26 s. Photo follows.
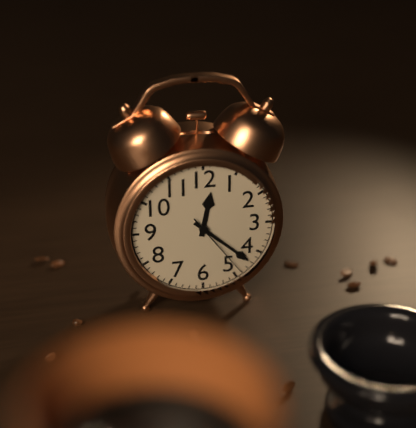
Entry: 12 h 22 min 24 s
